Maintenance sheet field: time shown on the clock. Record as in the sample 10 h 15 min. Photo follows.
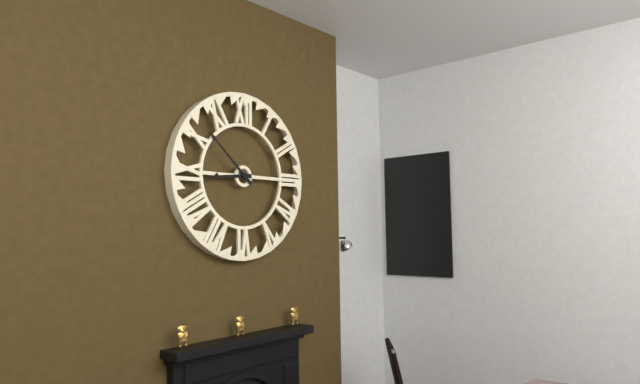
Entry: 8 h 52 min
